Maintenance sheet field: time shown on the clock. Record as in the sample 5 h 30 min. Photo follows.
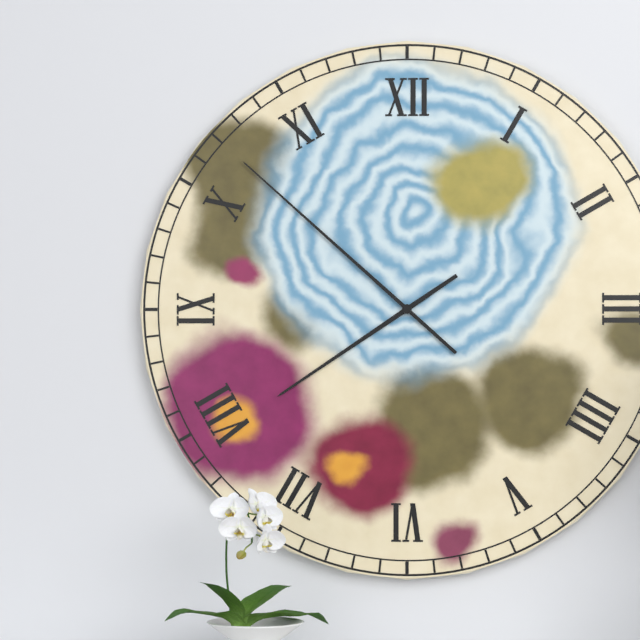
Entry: 7 h 52 min
